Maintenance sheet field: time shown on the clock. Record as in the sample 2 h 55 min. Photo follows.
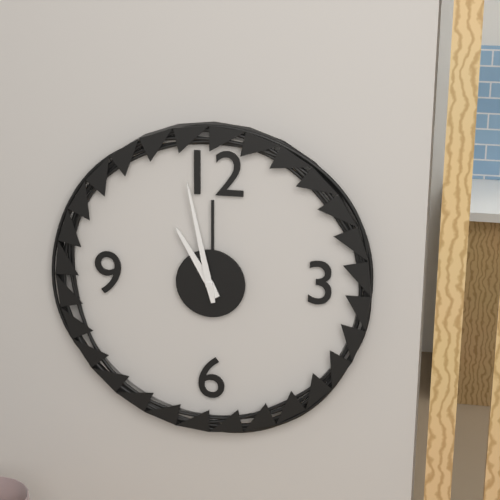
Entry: 10 h 58 min
